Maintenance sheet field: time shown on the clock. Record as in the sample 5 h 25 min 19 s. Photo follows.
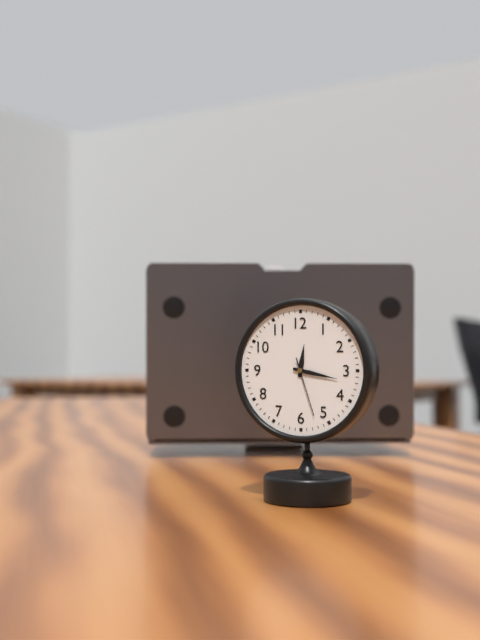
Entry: 12 h 17 min 27 s
